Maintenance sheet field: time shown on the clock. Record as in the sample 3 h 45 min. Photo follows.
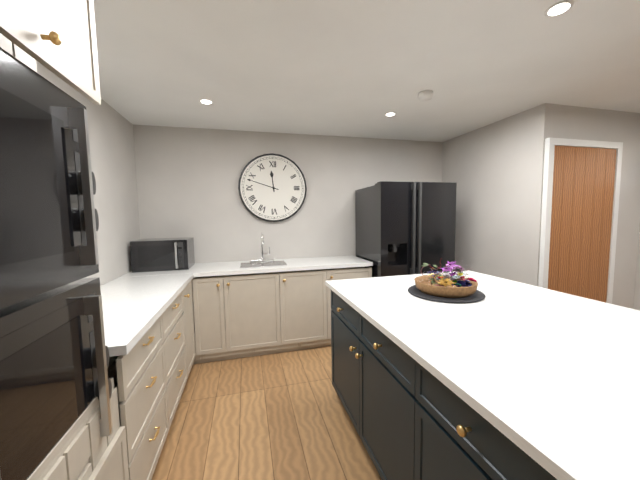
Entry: 11 h 48 min
